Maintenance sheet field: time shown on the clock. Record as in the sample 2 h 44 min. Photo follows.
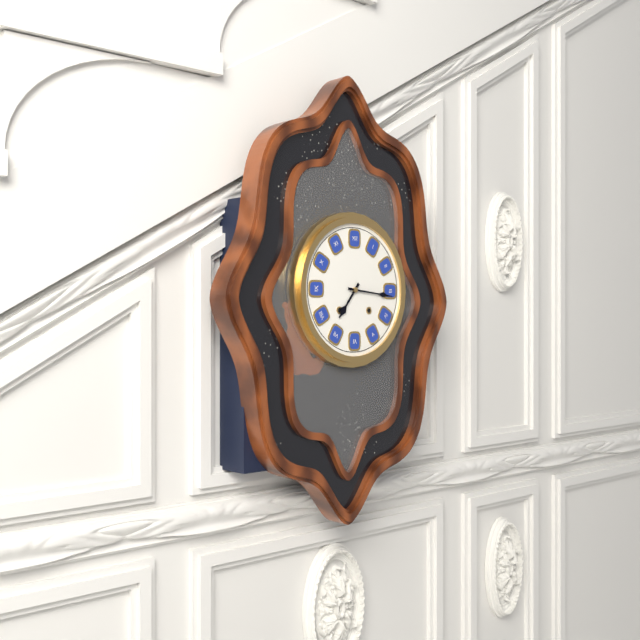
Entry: 7 h 16 min
